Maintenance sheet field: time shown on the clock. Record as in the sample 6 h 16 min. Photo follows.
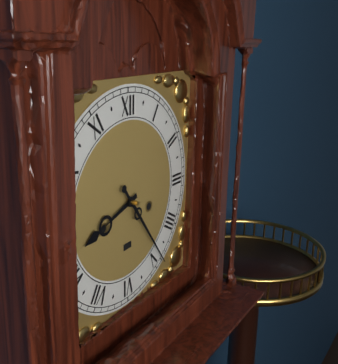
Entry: 8 h 24 min
